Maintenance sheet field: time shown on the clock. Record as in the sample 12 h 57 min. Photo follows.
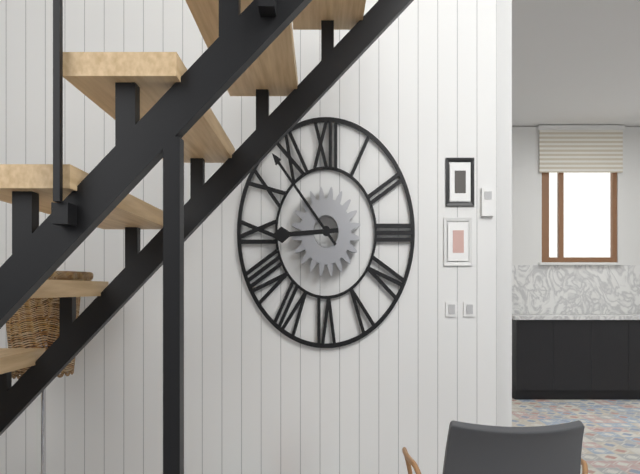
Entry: 8 h 53 min
